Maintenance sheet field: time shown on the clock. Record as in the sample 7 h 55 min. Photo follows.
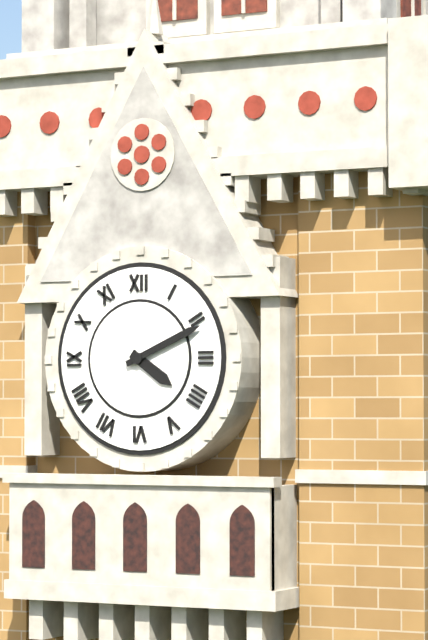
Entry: 4 h 11 min
